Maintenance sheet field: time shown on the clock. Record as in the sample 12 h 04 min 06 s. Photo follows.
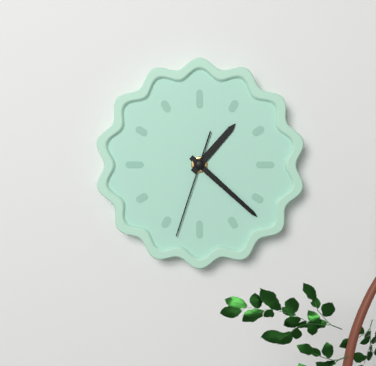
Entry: 1 h 22 min 33 s
